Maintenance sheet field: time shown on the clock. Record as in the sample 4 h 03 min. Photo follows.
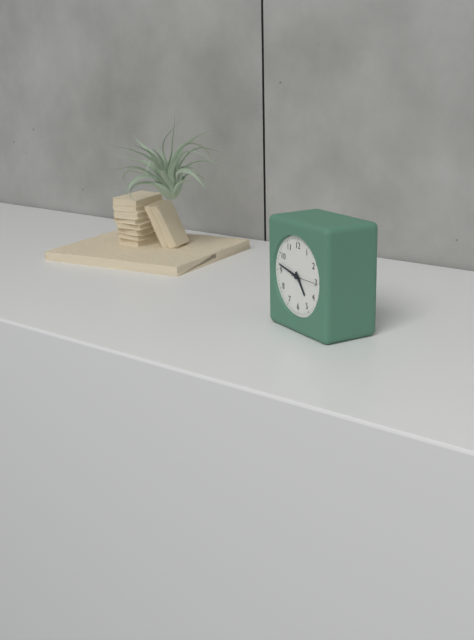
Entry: 4 h 47 min
